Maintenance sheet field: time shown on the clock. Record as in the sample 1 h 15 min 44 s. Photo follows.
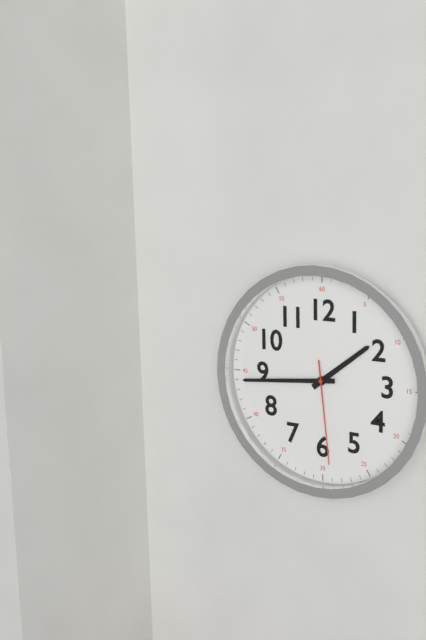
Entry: 1 h 44 min 29 s
